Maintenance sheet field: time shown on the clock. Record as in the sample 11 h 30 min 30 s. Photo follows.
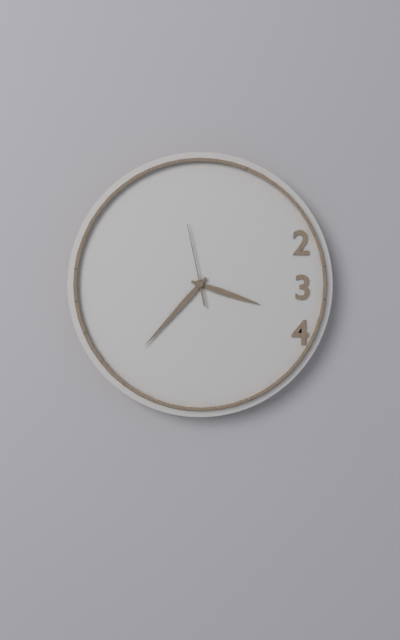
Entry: 3 h 37 min 58 s
